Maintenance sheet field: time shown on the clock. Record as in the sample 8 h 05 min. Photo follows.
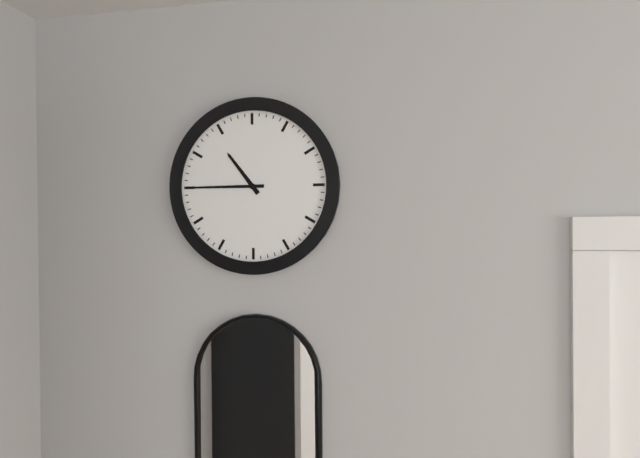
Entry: 10 h 45 min
